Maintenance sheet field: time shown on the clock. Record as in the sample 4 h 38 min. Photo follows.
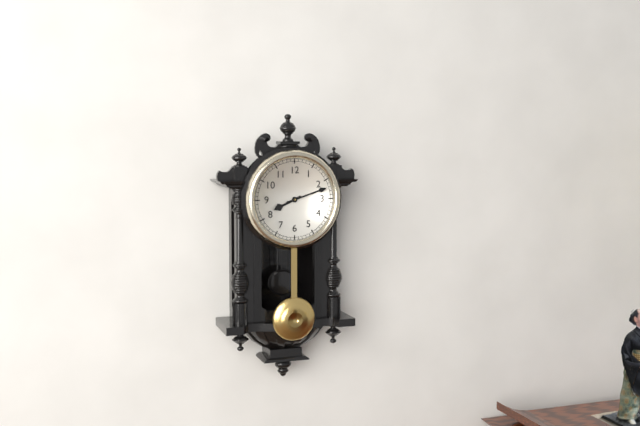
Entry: 8 h 12 min
